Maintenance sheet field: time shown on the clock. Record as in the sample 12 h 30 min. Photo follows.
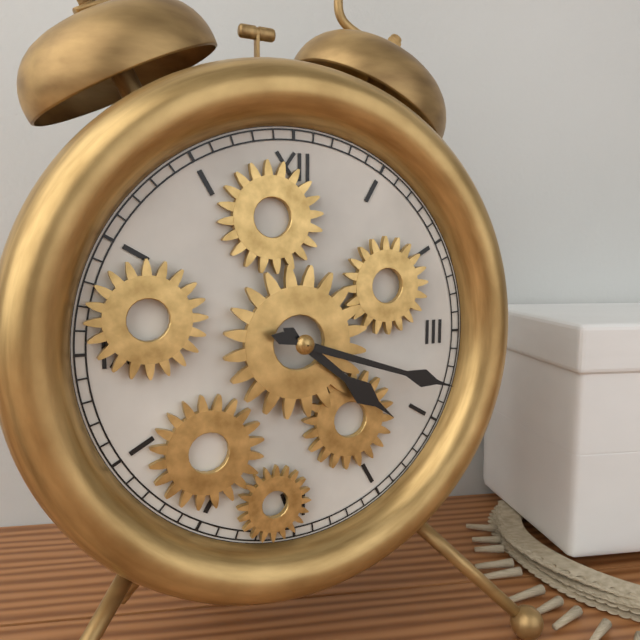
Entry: 4 h 18 min
